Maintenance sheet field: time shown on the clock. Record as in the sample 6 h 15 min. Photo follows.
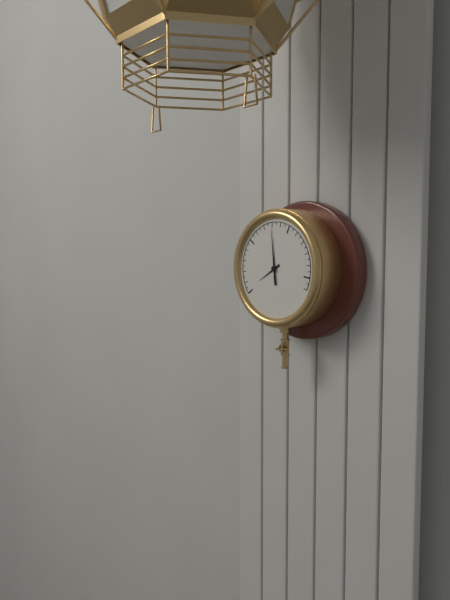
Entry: 7 h 59 min
